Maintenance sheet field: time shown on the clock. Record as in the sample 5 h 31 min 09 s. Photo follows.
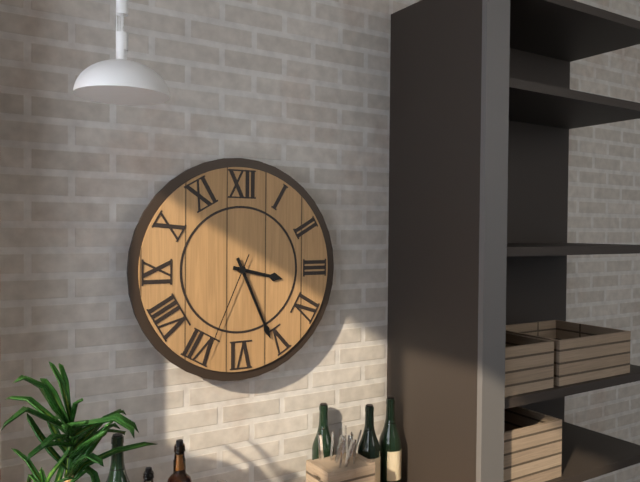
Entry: 3 h 26 min 34 s
